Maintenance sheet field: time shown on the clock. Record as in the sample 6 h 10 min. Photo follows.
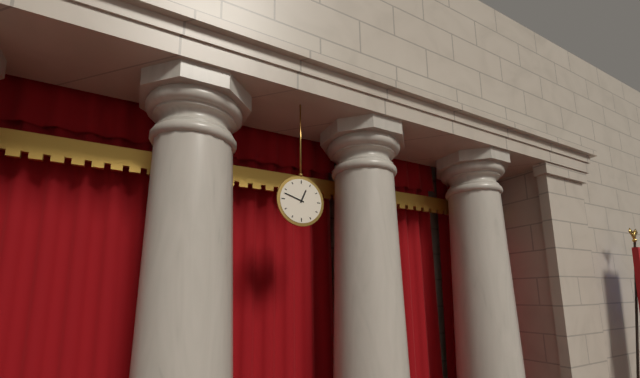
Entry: 12 h 48 min
